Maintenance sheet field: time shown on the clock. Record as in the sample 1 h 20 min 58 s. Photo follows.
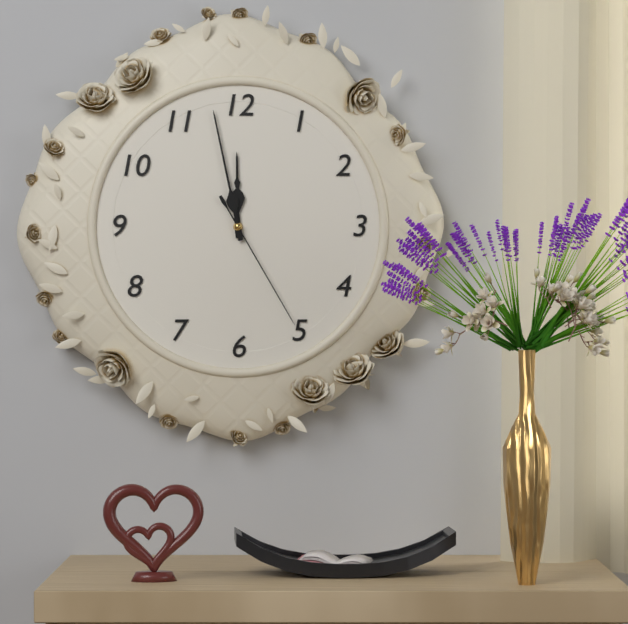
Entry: 11 h 58 min 25 s
